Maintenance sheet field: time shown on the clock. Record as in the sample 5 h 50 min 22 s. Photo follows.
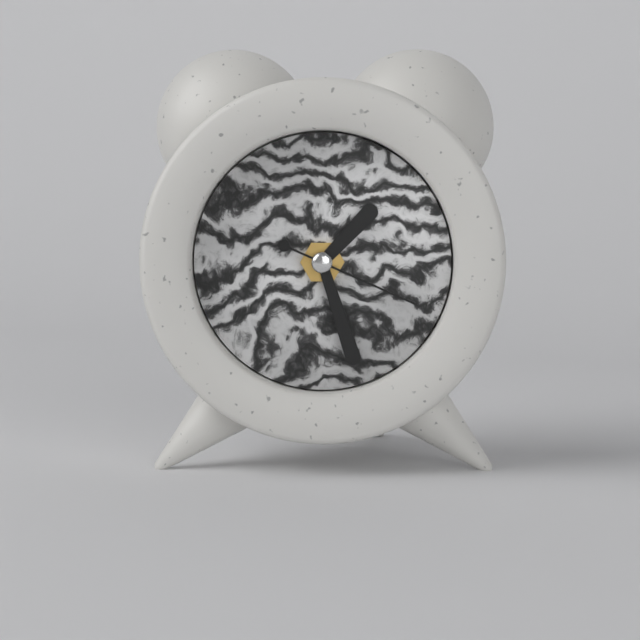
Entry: 1 h 27 min 19 s
